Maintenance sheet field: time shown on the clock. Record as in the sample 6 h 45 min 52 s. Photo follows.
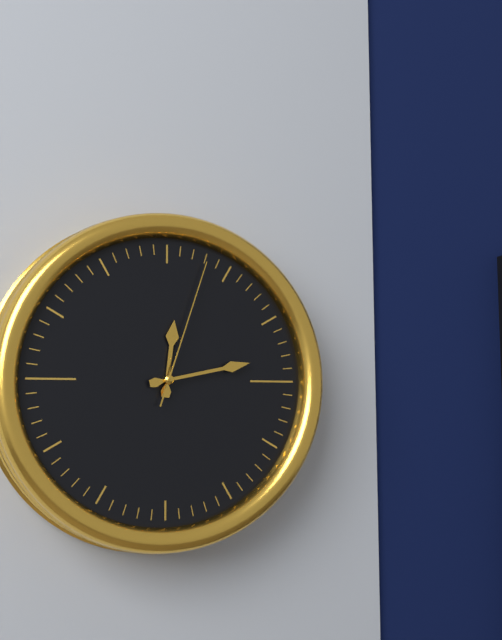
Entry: 12 h 13 min 03 s
